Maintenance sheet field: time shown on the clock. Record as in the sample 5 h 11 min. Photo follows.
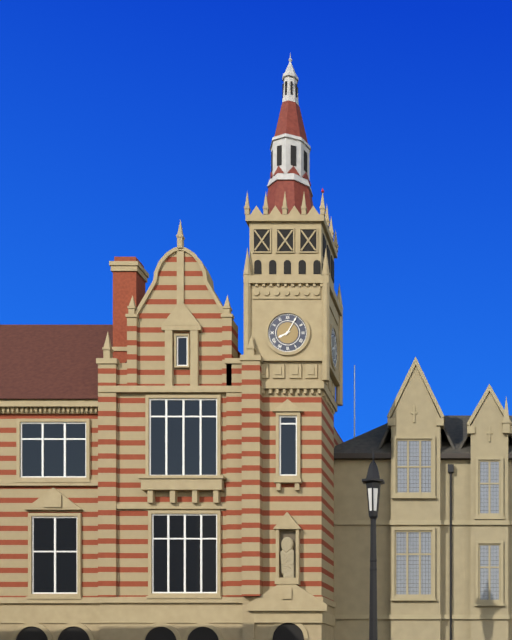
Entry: 8 h 05 min
